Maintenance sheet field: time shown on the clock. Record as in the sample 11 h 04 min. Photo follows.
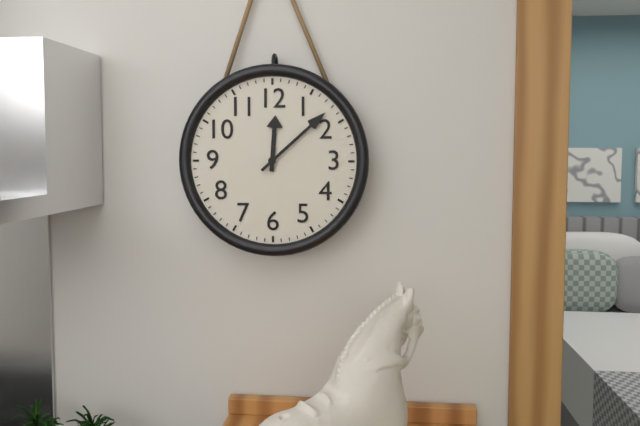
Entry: 12 h 08 min
